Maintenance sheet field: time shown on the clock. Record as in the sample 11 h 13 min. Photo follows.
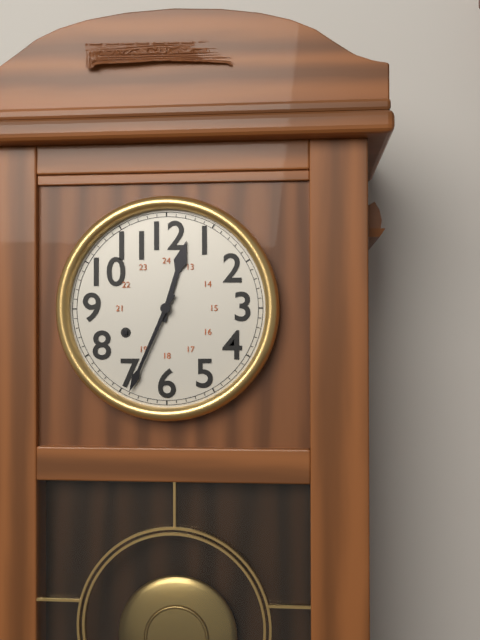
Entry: 12 h 34 min
